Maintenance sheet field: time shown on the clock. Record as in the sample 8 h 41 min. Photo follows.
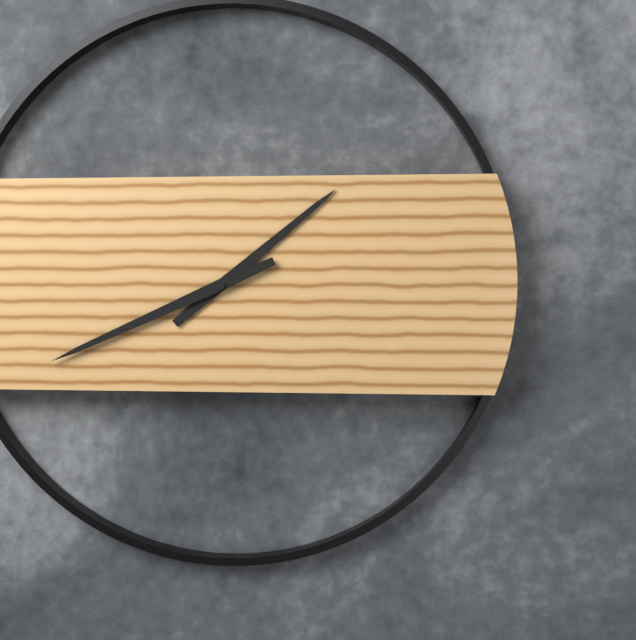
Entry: 1 h 41 min
